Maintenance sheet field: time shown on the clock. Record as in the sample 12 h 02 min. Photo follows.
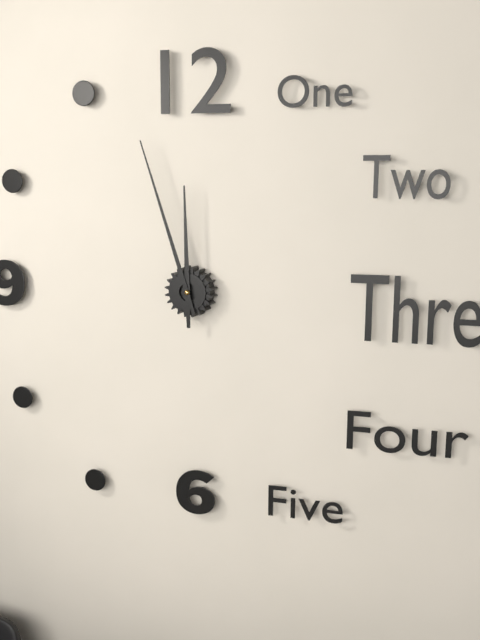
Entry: 11 h 57 min
